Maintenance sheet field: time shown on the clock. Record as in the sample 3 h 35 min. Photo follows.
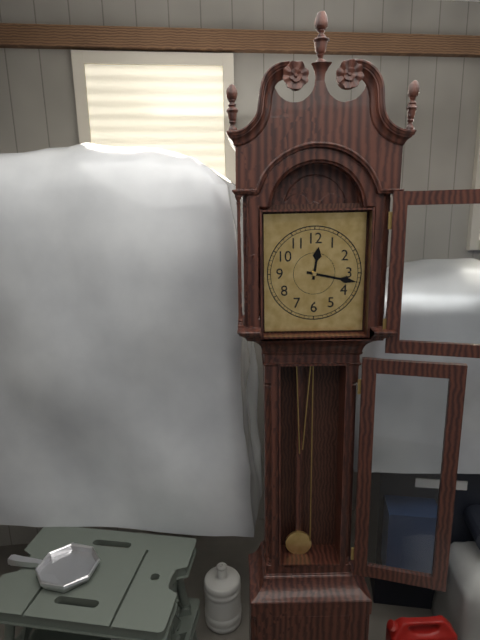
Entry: 12 h 17 min
